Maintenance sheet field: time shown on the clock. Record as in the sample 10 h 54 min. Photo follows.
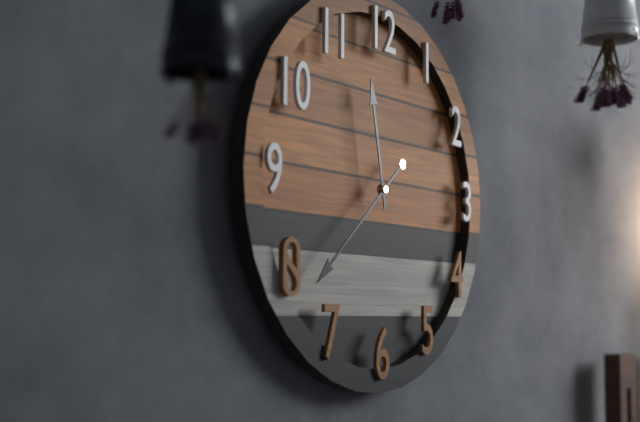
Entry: 11 h 38 min
